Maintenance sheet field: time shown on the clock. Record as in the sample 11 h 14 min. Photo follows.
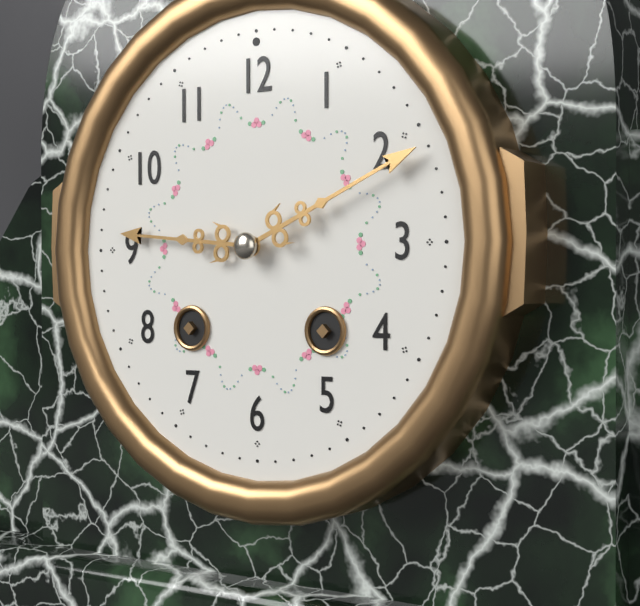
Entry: 9 h 11 min
